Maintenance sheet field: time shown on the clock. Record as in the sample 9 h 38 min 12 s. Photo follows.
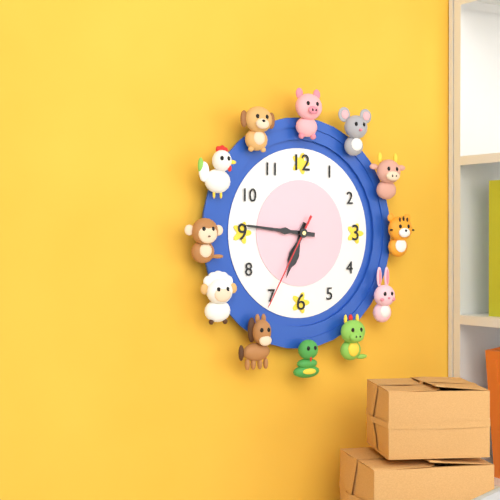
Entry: 6 h 46 min 35 s
